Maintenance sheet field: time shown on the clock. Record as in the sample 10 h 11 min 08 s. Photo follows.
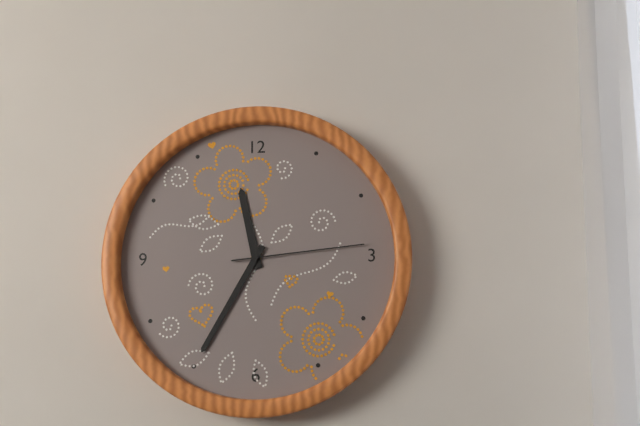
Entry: 11 h 35 min 14 s
